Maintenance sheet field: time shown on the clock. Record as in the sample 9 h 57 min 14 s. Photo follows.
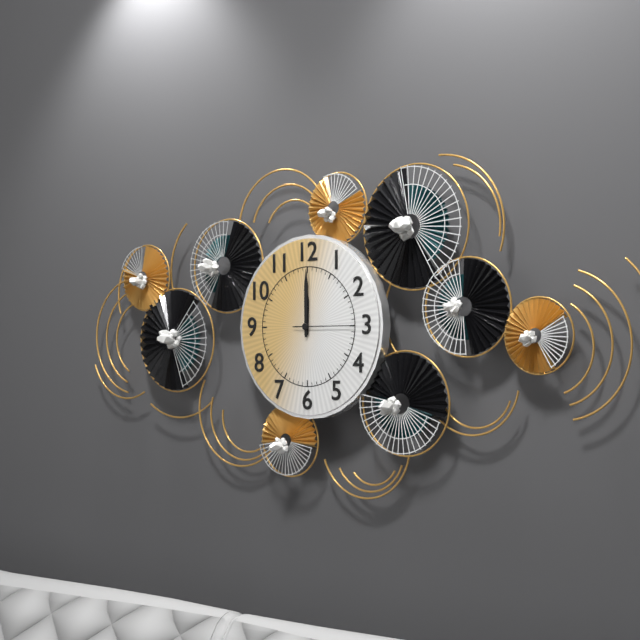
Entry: 12 h 00 min 15 s
